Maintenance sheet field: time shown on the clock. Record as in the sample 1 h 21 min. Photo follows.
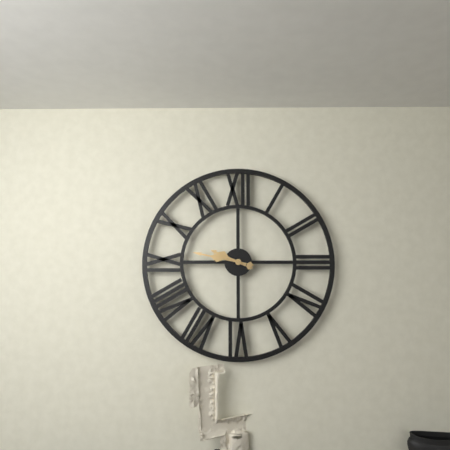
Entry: 9 h 47 min
